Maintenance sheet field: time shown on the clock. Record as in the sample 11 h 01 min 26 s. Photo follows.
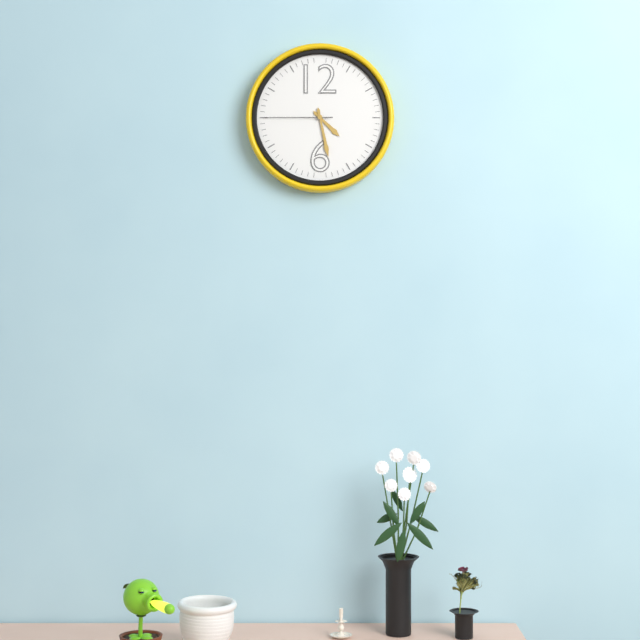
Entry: 4 h 28 min 45 s
